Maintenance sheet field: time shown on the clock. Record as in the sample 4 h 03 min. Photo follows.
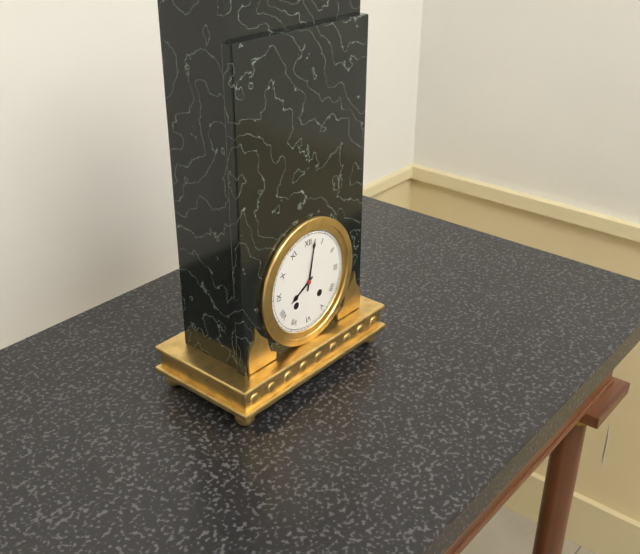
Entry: 8 h 02 min
